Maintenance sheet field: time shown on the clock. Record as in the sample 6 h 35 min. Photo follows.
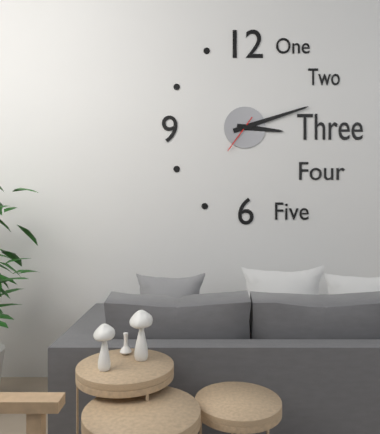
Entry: 3 h 12 min
